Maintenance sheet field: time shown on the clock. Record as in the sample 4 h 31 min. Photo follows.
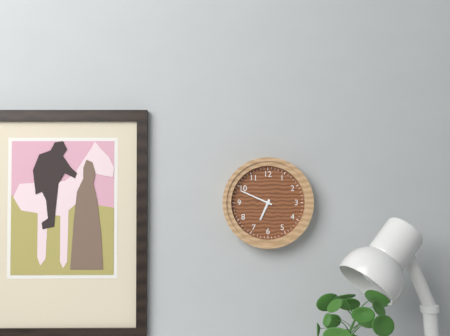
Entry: 6 h 49 min
